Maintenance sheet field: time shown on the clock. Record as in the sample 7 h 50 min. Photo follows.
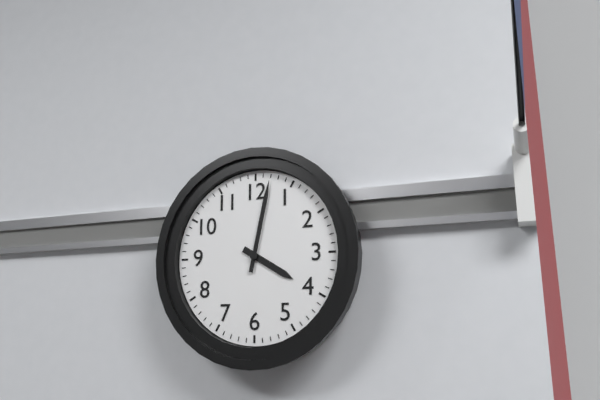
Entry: 4 h 02 min
